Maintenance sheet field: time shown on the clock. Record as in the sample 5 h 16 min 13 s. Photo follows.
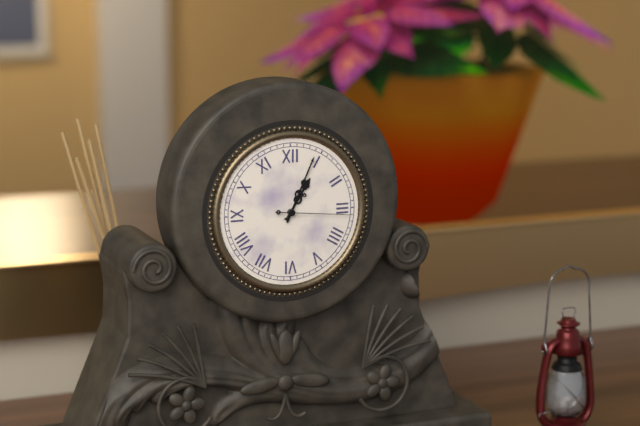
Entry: 1 h 04 min 16 s
